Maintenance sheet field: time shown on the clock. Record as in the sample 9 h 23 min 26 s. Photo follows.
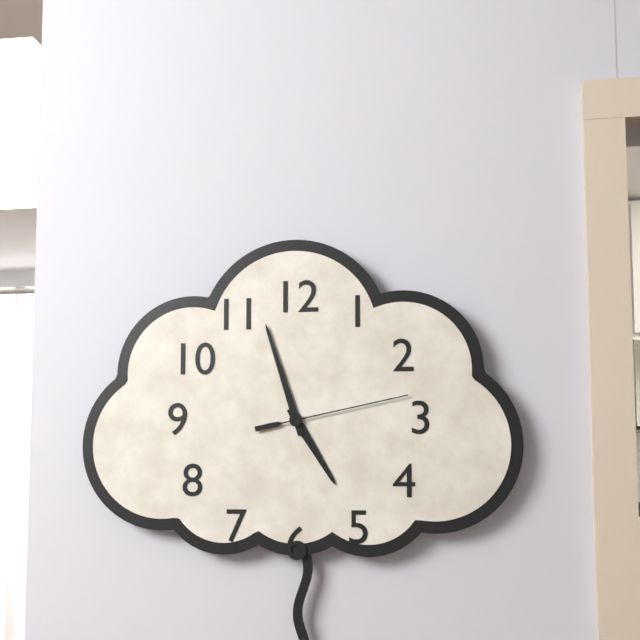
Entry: 4 h 57 min 13 s
